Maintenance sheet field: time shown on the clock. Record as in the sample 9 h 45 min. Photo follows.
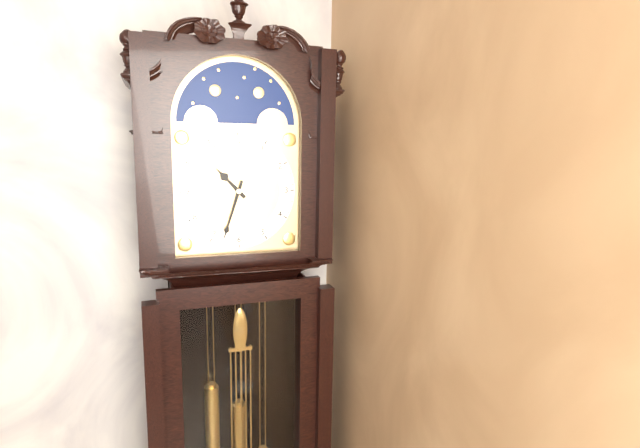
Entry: 10 h 33 min
